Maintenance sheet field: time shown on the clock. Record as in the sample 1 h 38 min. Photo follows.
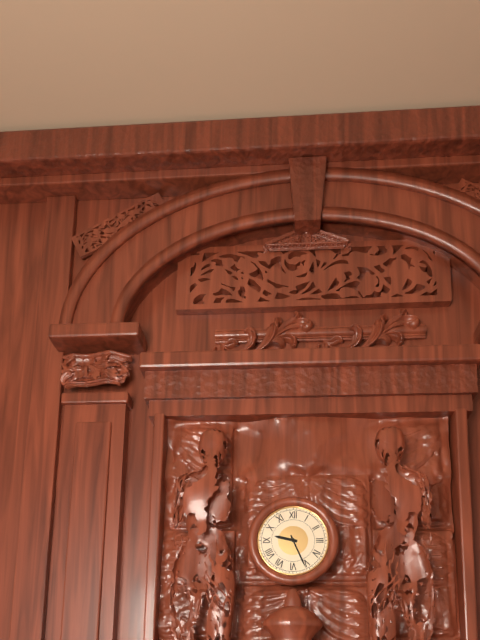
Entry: 9 h 26 min
